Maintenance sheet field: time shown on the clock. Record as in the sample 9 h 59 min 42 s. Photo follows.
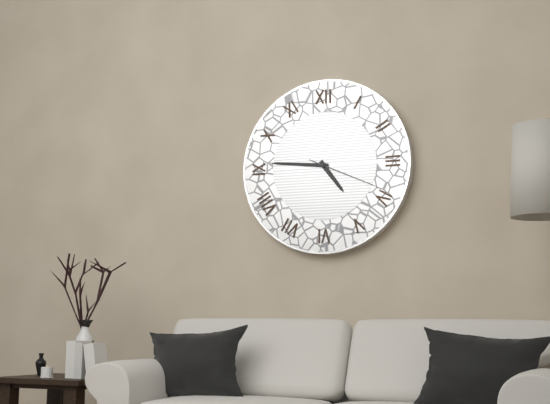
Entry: 4 h 46 min 19 s
